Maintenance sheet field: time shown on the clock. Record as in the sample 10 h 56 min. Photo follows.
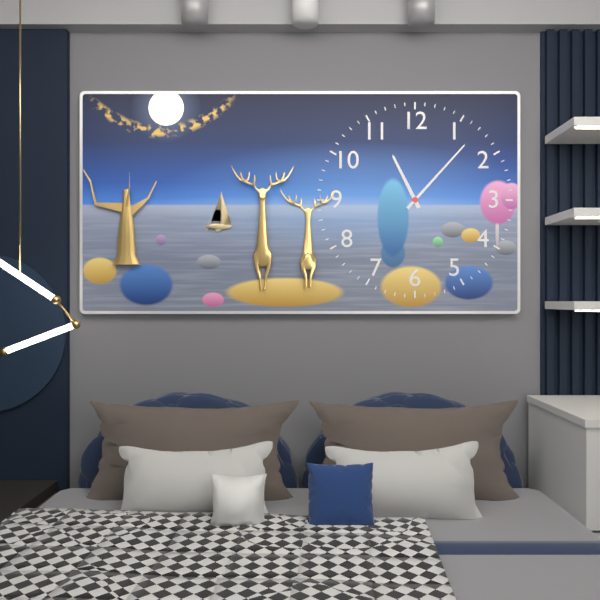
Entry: 11 h 07 min
